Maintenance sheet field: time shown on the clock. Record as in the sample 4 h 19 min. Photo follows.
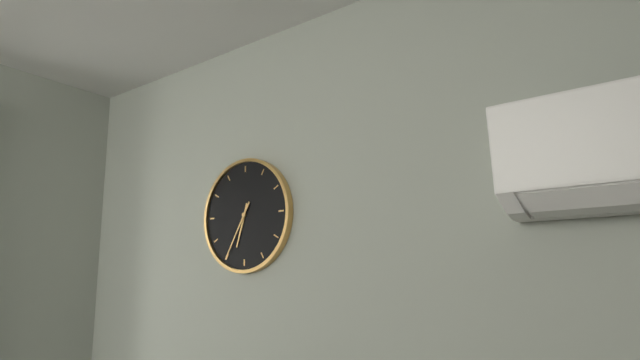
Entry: 6 h 35 min
